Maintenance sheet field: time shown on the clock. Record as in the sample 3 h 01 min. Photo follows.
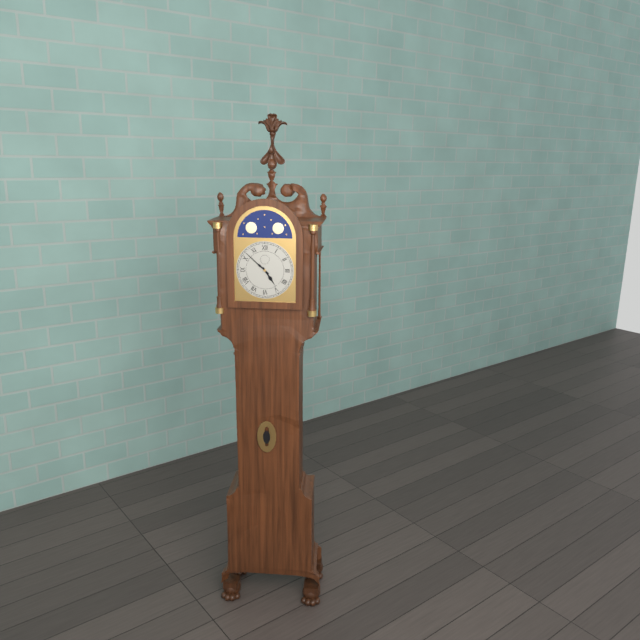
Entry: 4 h 52 min
